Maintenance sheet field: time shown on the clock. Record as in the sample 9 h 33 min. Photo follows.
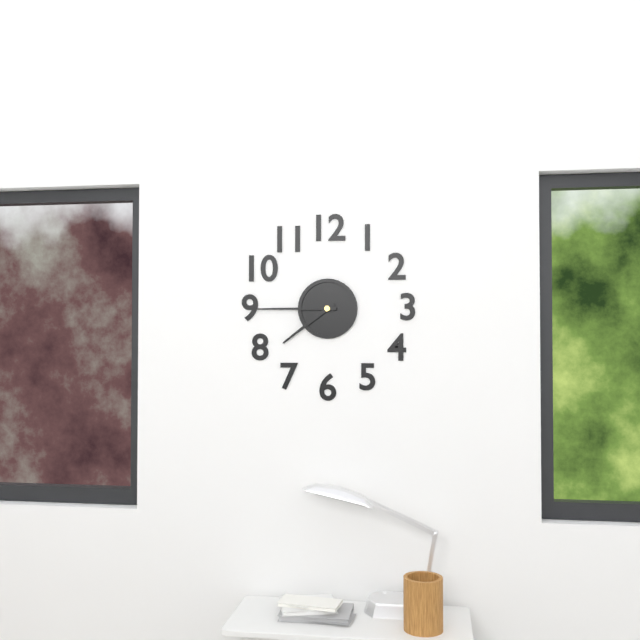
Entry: 7 h 45 min
